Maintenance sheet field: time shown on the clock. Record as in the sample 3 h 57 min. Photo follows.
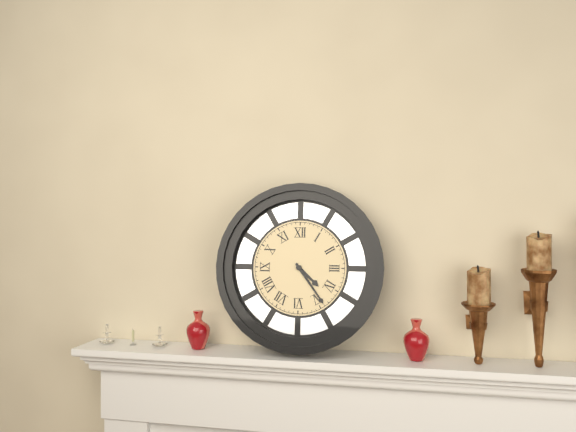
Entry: 4 h 24 min
